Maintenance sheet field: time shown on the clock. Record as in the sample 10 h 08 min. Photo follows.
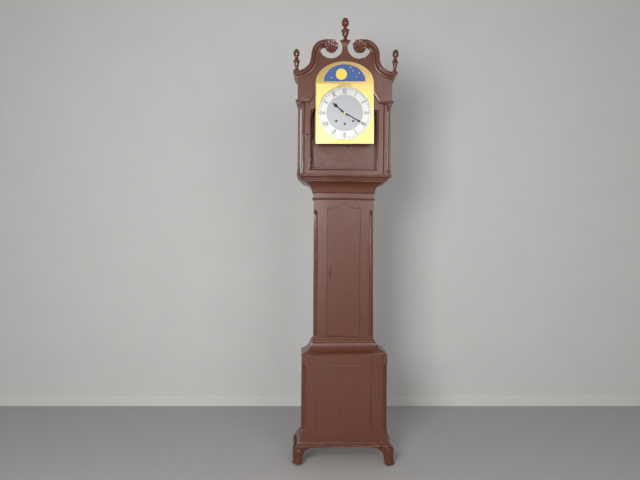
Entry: 10 h 20 min
